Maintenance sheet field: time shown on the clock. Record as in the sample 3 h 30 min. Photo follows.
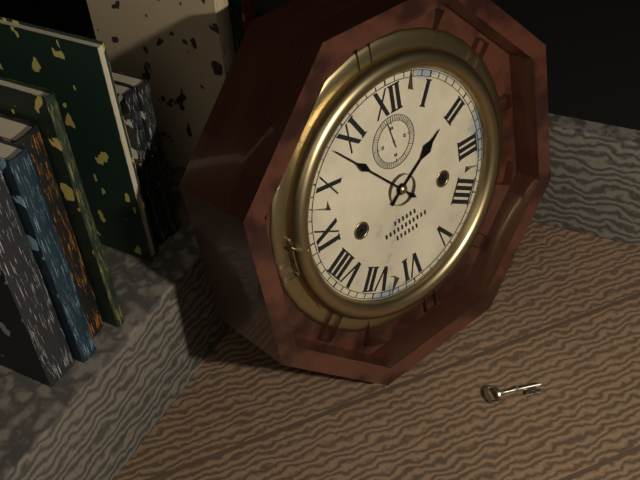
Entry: 1 h 53 min
